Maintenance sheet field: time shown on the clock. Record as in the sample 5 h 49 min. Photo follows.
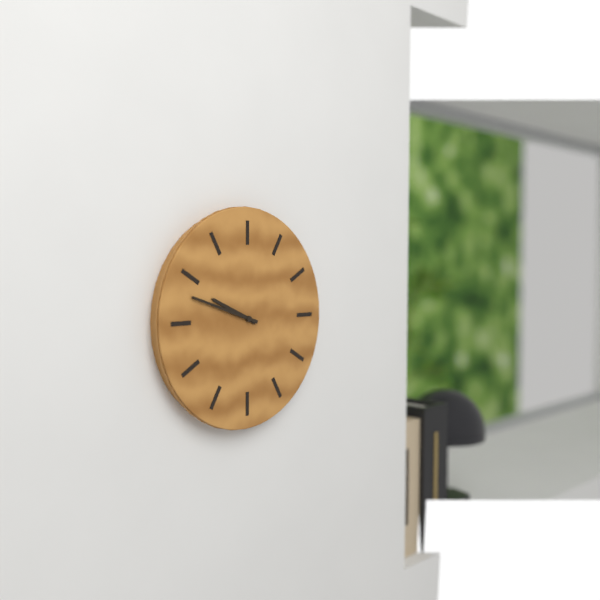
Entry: 9 h 48 min
